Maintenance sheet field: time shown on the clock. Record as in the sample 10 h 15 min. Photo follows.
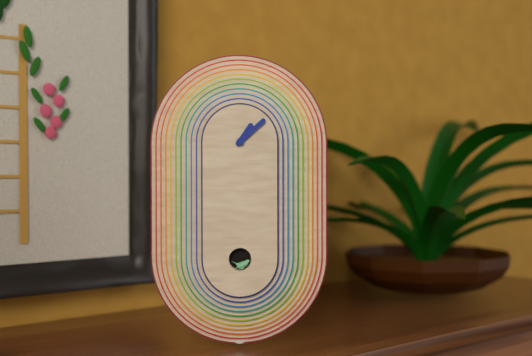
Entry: 1 h 08 min
